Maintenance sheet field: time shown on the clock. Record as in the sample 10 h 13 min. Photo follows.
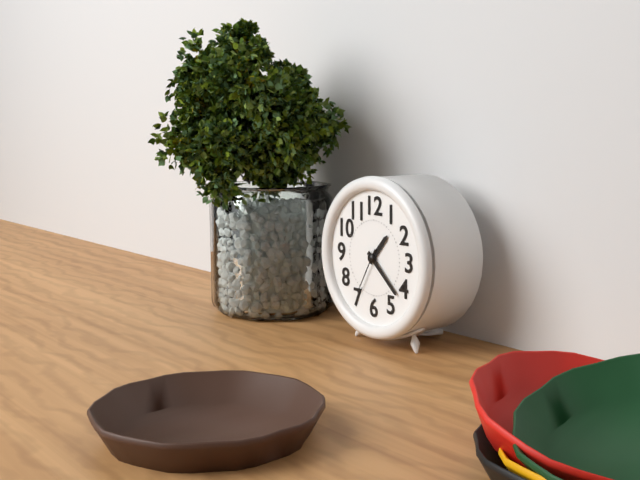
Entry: 1 h 22 min
